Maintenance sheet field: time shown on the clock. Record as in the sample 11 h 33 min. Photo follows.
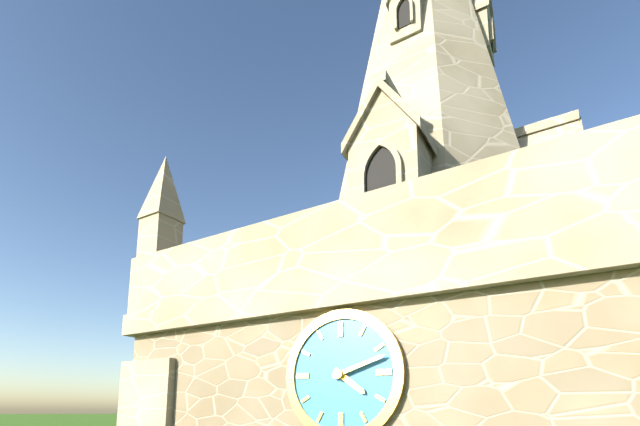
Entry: 4 h 12 min
